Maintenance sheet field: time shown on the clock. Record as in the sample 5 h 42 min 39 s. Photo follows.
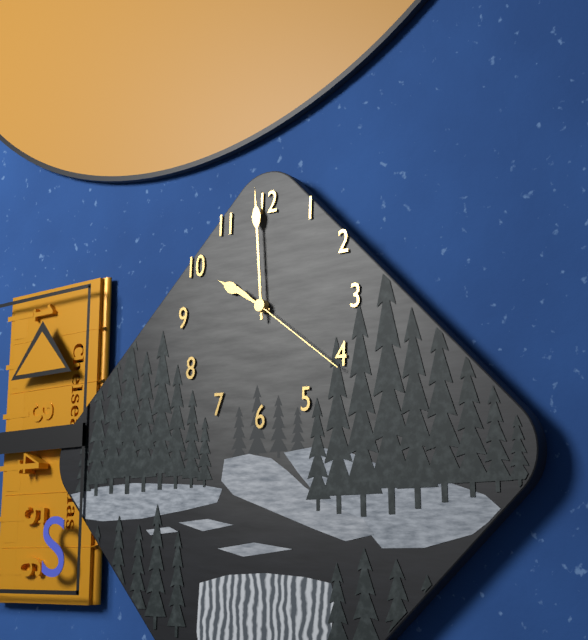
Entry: 9 h 59 min 21 s
